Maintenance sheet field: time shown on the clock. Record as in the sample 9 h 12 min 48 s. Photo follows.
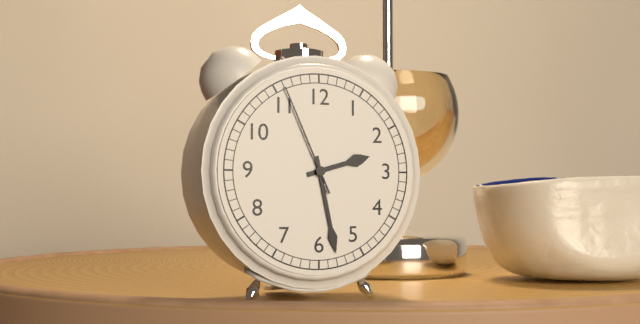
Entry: 2 h 28 min 56 s
